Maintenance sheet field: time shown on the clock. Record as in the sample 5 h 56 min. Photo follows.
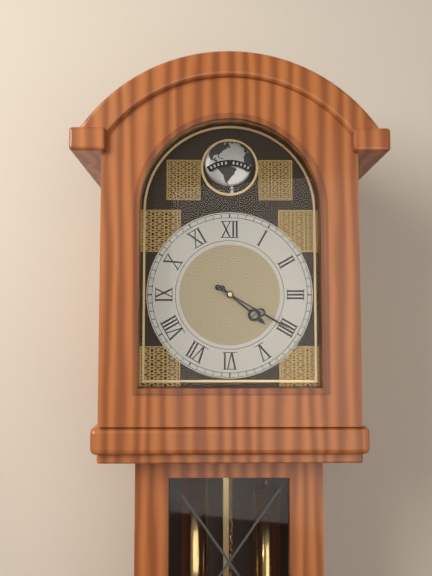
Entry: 4 h 20 min
